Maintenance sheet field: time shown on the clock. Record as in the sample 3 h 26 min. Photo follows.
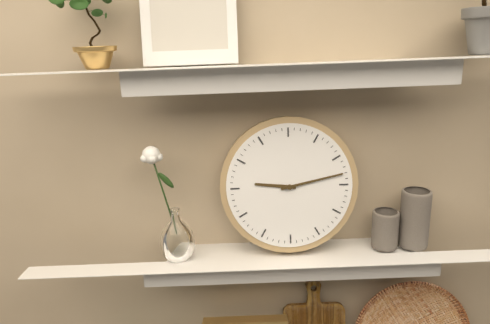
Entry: 9 h 13 min
